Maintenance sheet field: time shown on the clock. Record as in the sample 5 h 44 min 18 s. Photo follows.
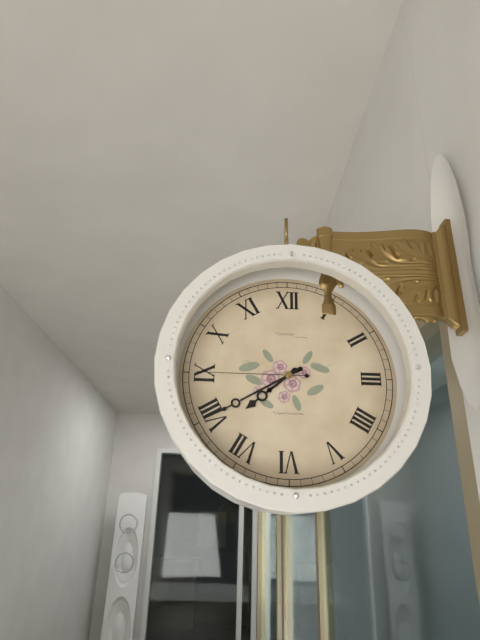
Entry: 7 h 40 min 45 s
